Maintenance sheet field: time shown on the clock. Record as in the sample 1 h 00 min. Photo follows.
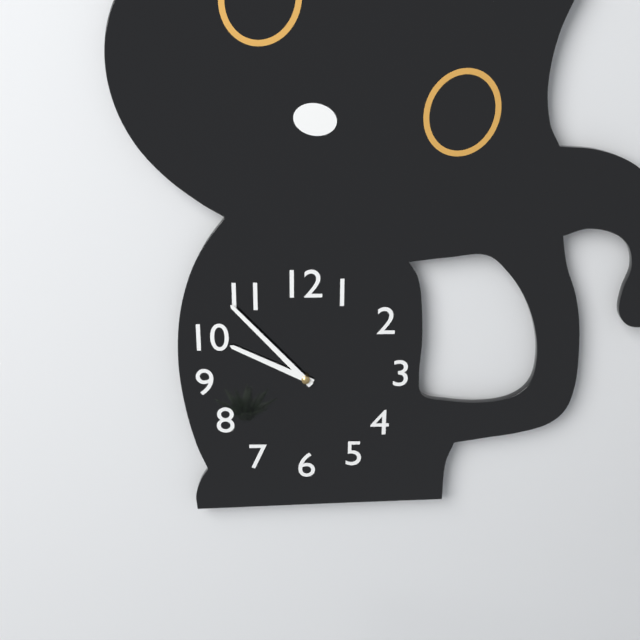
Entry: 9 h 53 min
